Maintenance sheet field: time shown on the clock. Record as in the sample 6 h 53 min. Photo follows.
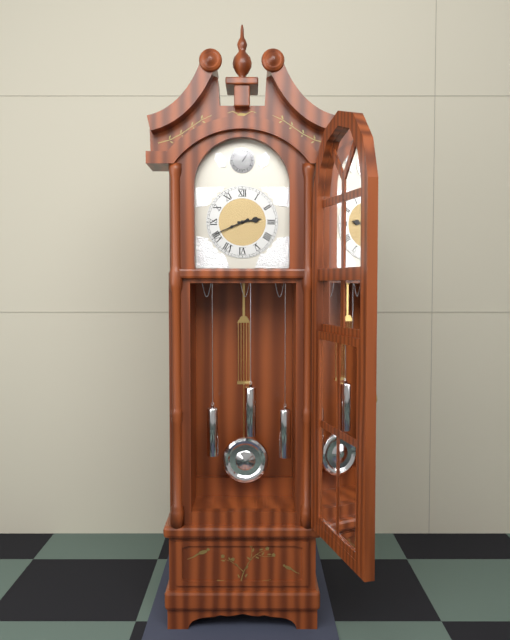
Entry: 2 h 41 min
